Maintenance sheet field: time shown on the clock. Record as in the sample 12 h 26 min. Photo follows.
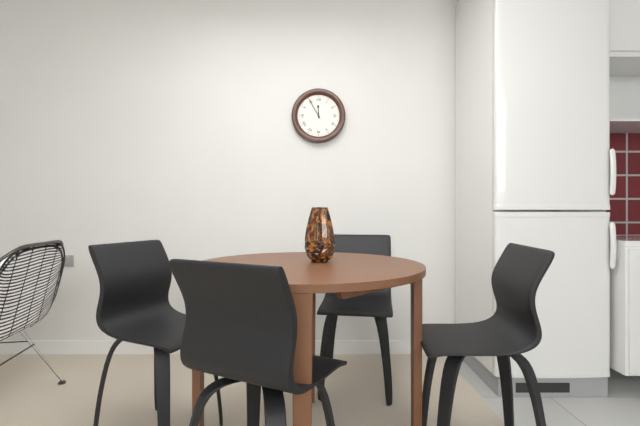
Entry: 11 h 55 min
